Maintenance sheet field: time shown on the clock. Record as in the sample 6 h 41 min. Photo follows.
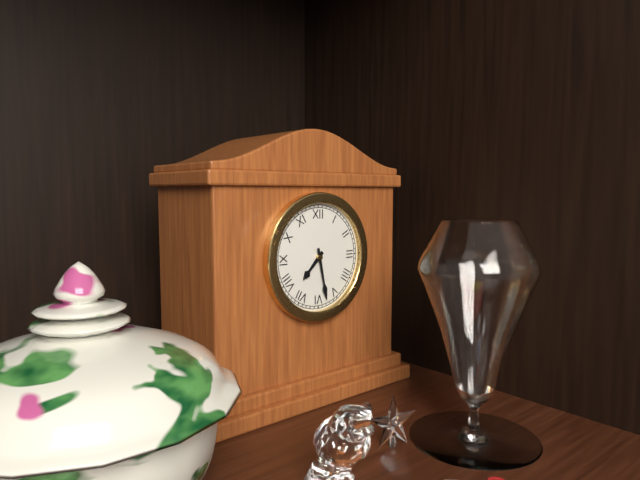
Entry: 7 h 28 min
